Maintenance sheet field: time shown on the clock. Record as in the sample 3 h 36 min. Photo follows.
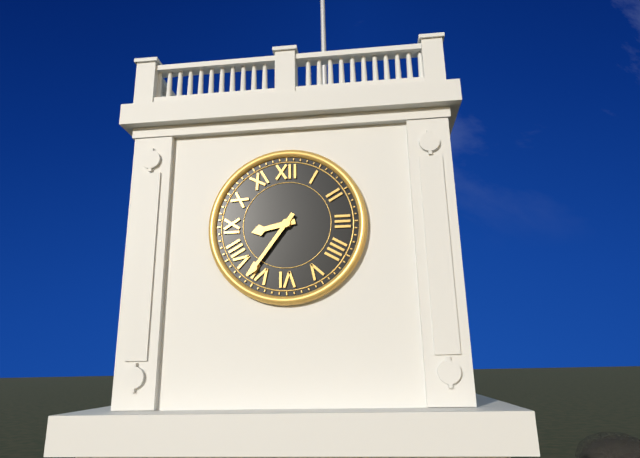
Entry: 8 h 36 min
